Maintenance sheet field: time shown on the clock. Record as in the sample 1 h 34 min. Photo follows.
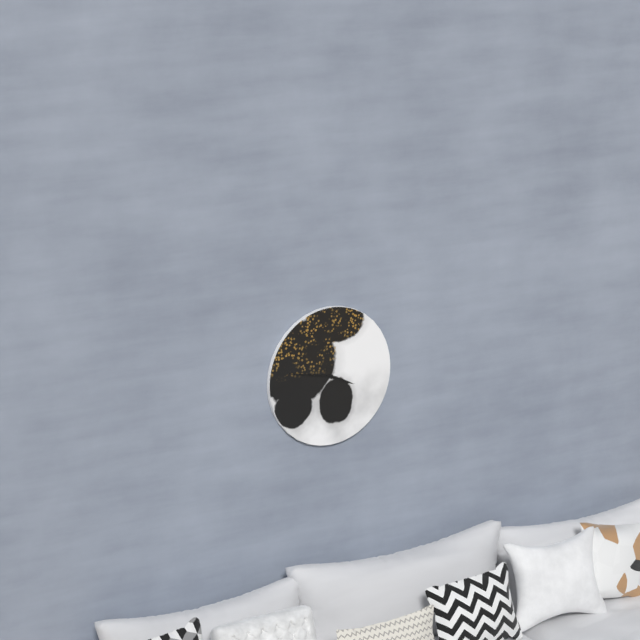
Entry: 3 h 47 min
